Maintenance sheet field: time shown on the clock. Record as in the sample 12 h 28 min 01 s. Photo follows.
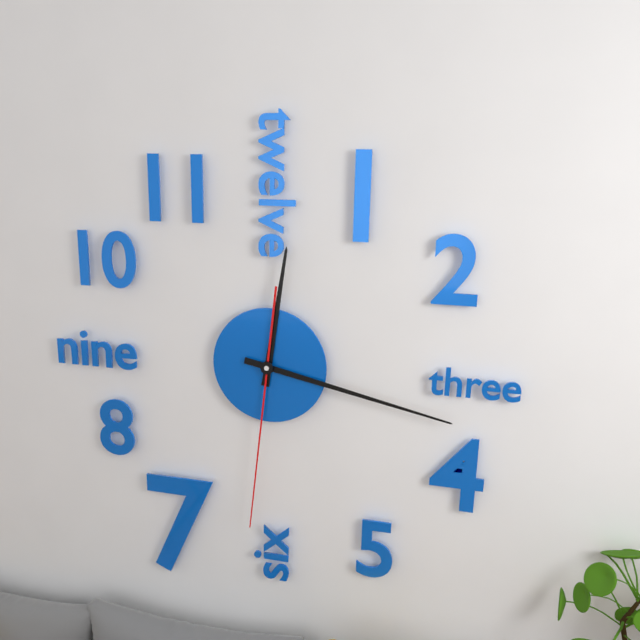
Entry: 12 h 17 min 31 s
